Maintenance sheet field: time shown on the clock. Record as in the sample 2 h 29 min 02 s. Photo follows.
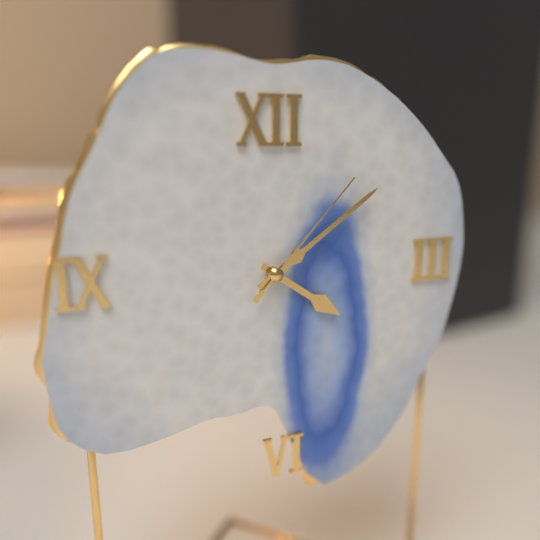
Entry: 4 h 09 min 07 s
